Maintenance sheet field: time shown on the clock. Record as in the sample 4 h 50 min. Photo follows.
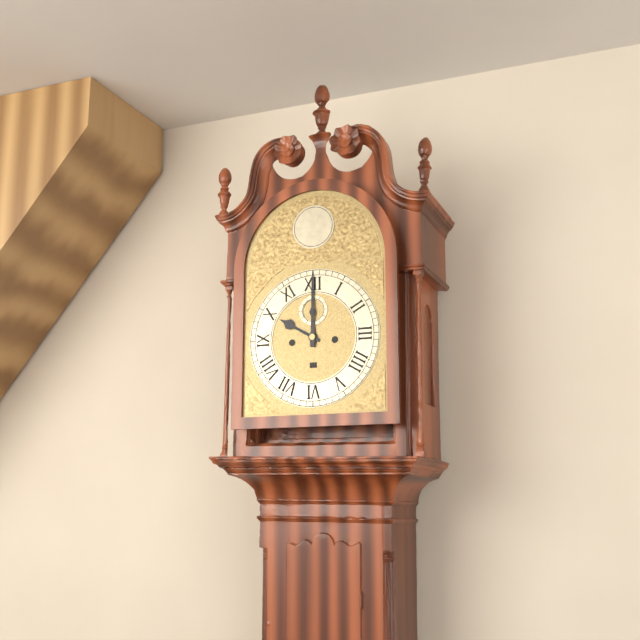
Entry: 10 h 00 min
